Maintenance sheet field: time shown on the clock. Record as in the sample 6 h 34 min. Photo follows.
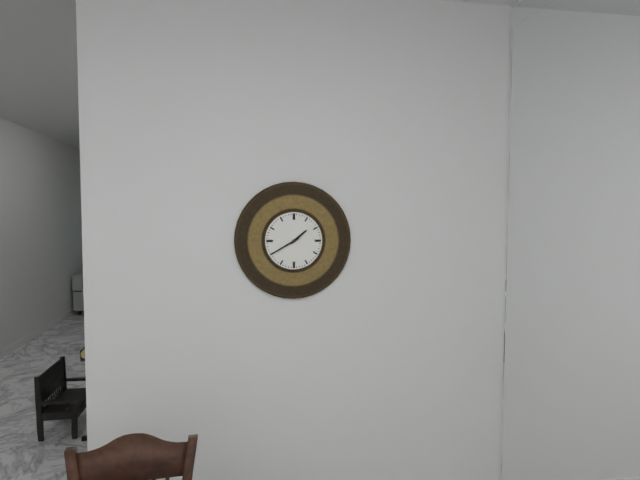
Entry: 1 h 40 min
